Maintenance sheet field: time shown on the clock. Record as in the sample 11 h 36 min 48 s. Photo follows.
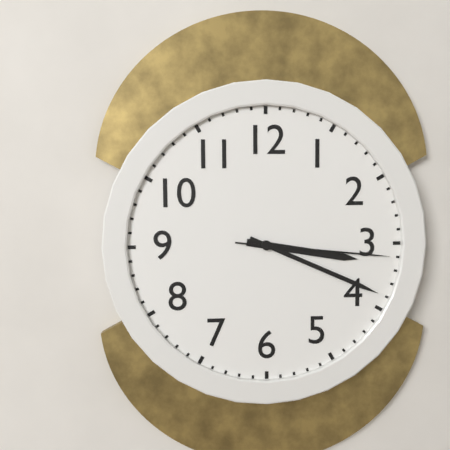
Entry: 3 h 19 min 16 s
